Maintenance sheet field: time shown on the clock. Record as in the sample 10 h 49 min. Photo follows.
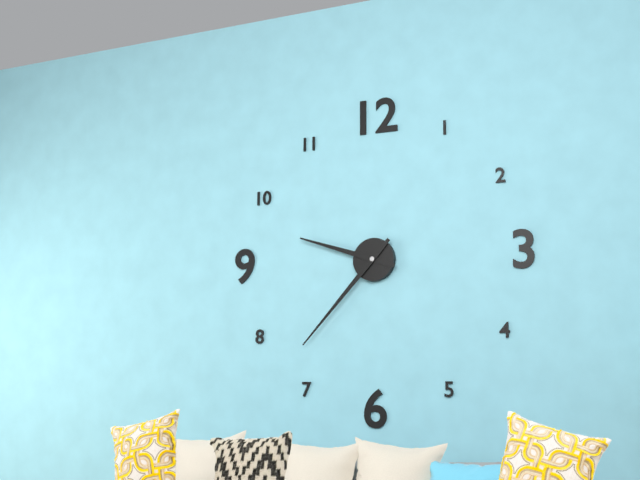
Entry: 9 h 37 min
